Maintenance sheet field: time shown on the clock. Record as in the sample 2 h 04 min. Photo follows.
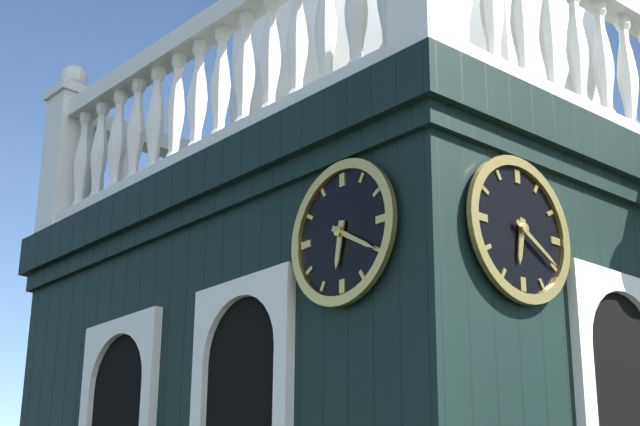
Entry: 6 h 20 min
